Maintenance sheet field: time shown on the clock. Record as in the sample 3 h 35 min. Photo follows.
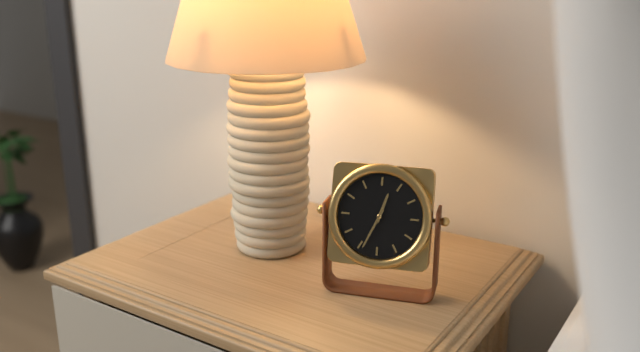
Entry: 12 h 34 min
